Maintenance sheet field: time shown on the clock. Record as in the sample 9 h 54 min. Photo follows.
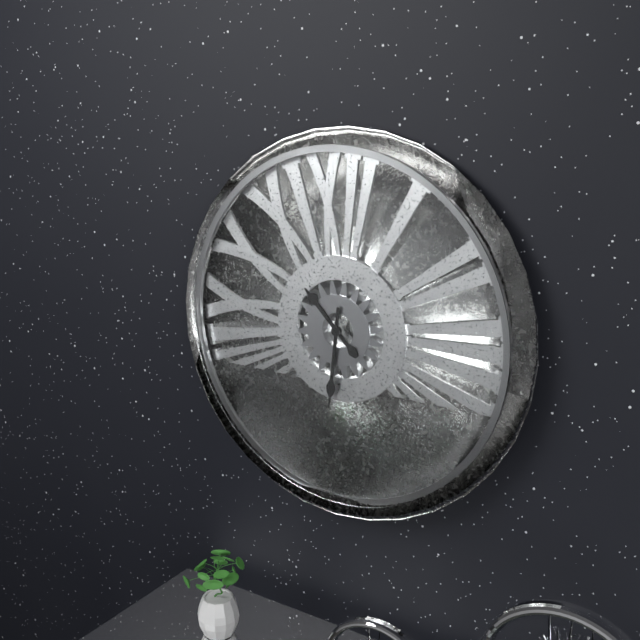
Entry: 10 h 31 min
